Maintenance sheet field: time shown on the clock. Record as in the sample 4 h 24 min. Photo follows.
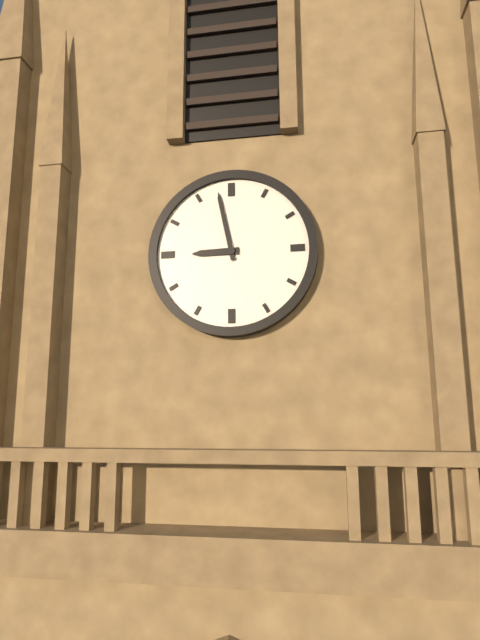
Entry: 8 h 58 min
